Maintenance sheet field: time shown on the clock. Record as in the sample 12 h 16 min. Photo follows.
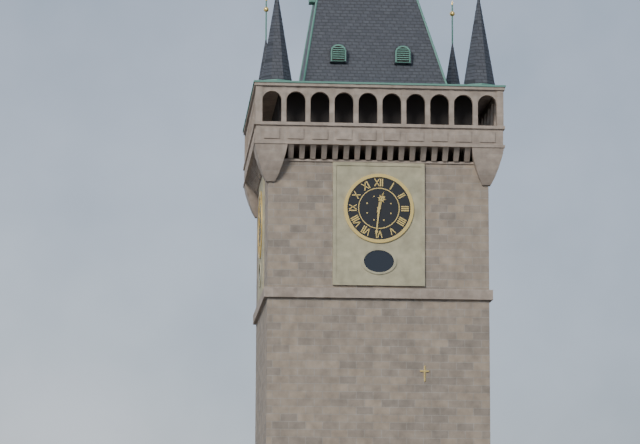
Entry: 12 h 31 min
